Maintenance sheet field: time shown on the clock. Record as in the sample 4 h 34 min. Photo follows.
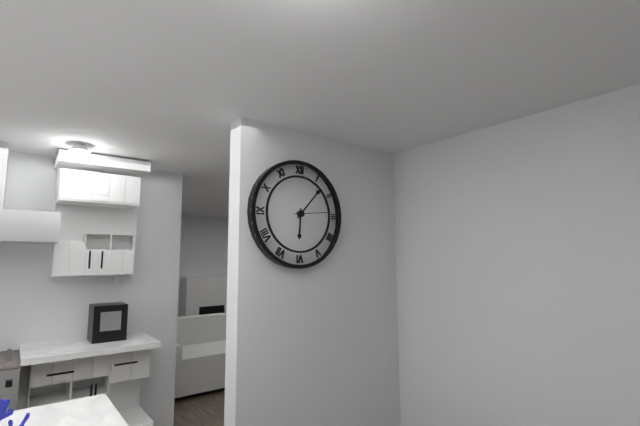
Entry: 6 h 07 min
